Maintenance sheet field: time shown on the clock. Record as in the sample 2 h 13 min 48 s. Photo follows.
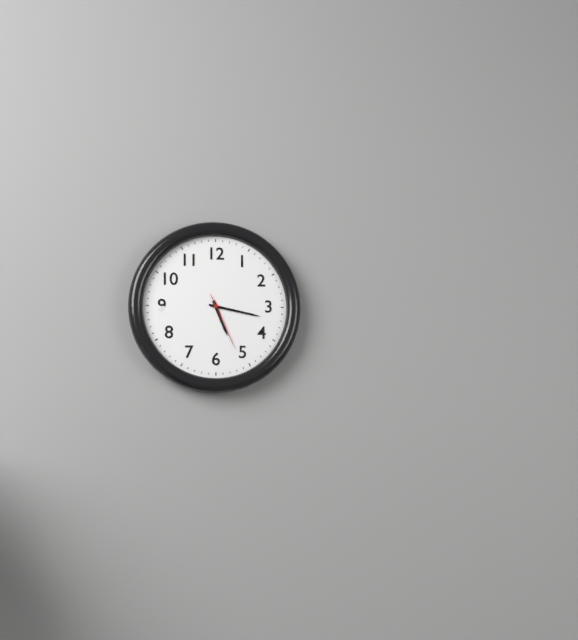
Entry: 5 h 17 min 26 s
